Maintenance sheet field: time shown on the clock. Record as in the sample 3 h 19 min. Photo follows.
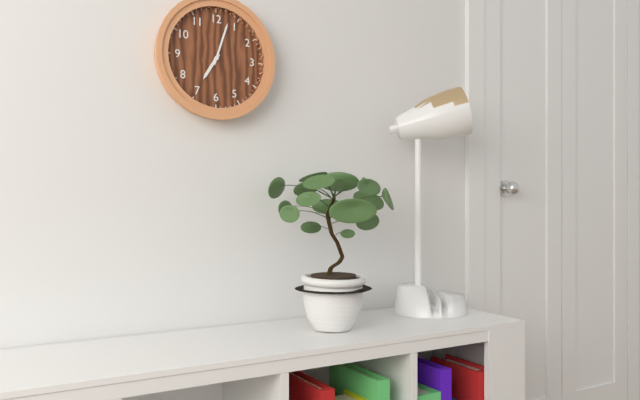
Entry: 7 h 03 min
